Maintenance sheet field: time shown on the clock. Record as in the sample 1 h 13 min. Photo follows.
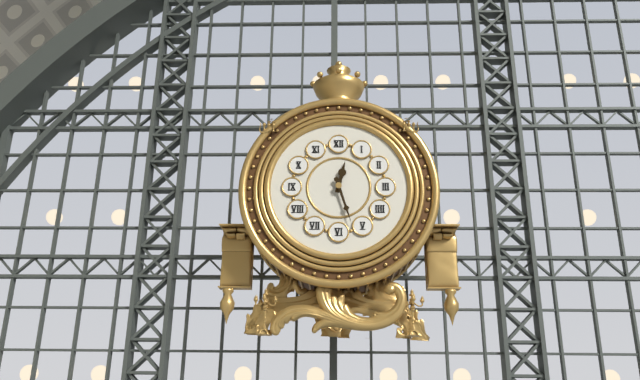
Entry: 12 h 27 min
